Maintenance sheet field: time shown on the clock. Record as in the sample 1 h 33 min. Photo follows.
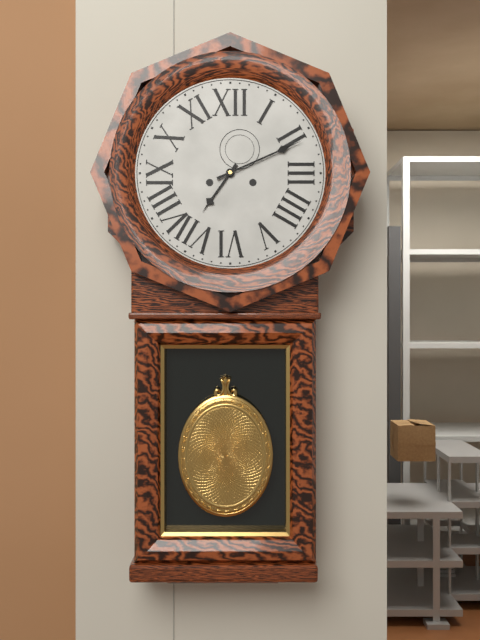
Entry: 7 h 11 min
